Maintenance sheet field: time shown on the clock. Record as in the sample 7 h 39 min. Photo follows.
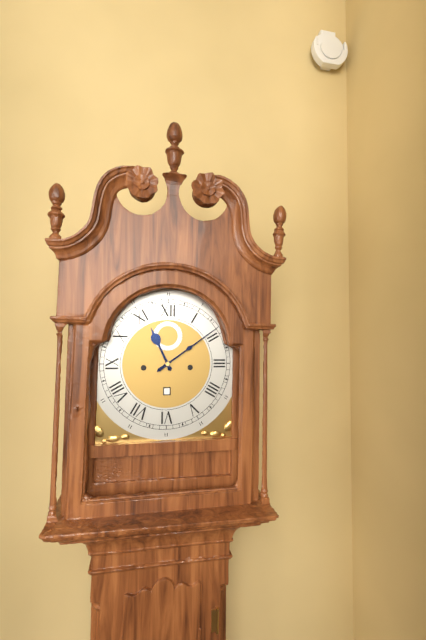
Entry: 11 h 09 min
